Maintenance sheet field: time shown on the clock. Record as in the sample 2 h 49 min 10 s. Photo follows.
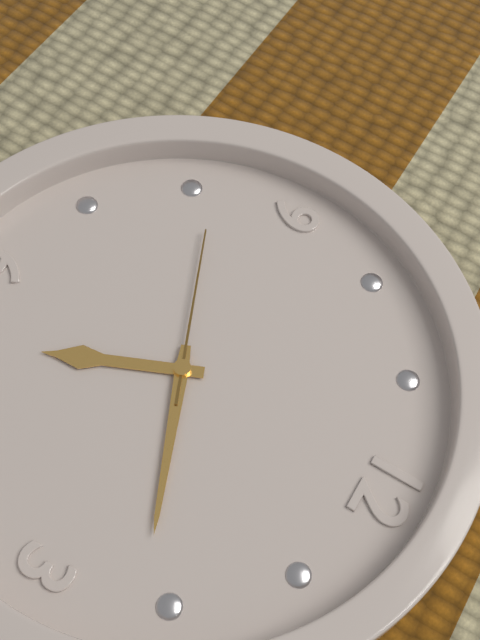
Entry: 5 h 11 min 41 s
